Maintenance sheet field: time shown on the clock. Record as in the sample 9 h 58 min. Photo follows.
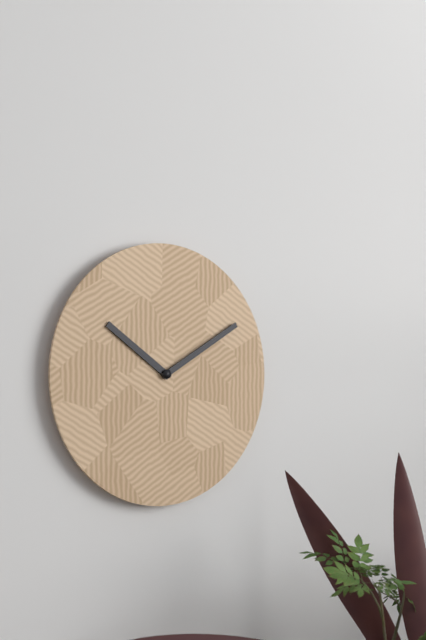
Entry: 10 h 10 min
